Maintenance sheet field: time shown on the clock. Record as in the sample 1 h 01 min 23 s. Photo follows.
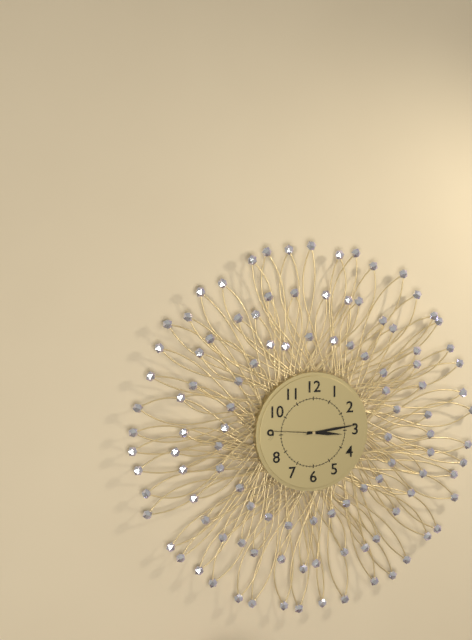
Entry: 3 h 14 min 46 s
